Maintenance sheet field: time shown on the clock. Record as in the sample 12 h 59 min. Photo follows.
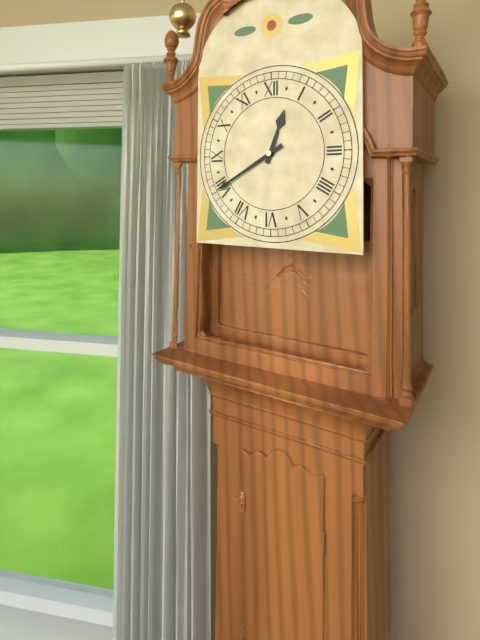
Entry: 12 h 40 min
